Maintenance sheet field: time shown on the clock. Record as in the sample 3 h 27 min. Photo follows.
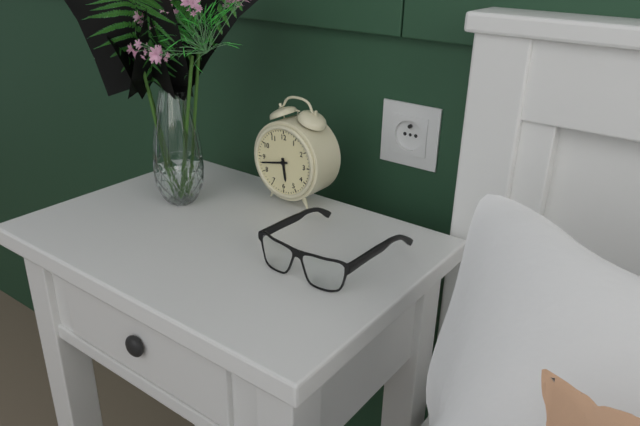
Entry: 5 h 43 min
